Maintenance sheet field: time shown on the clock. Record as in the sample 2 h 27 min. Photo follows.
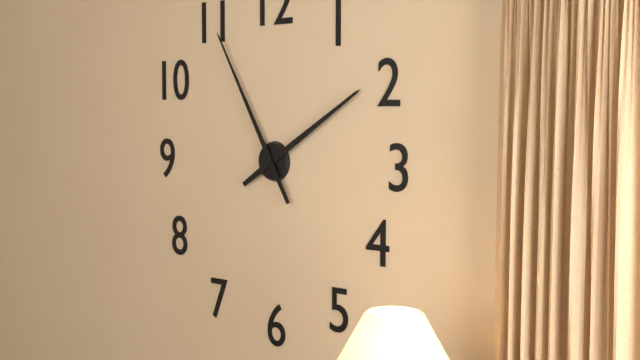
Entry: 1 h 55 min
